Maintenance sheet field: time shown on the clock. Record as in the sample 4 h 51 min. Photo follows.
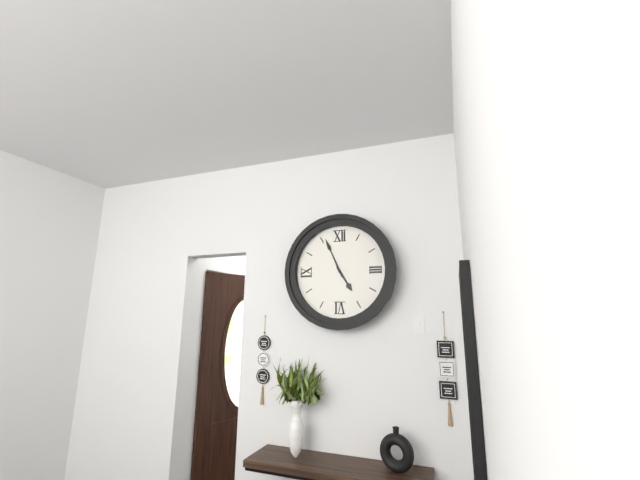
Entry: 4 h 56 min
